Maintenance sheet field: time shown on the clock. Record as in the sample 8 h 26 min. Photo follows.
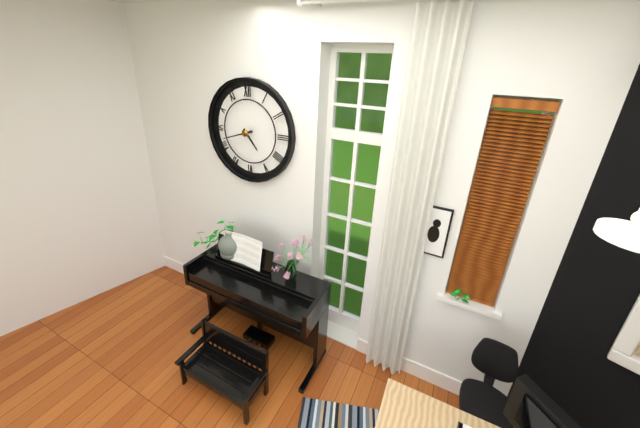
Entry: 4 h 42 min
